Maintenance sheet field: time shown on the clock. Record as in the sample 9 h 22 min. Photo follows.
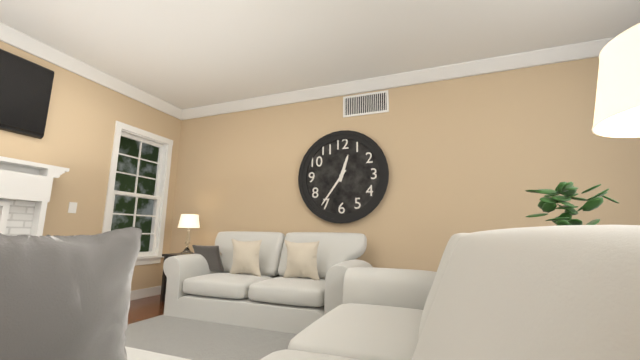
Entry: 12 h 36 min
